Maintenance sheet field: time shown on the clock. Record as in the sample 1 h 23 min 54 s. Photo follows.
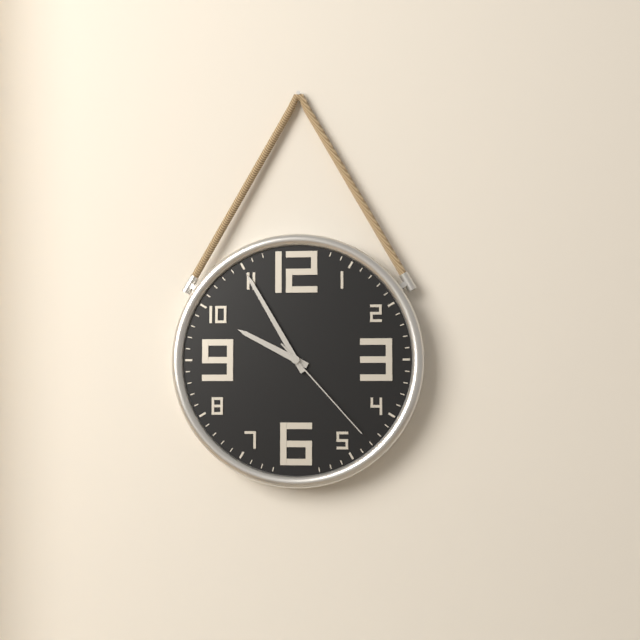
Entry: 9 h 55 min 23 s
